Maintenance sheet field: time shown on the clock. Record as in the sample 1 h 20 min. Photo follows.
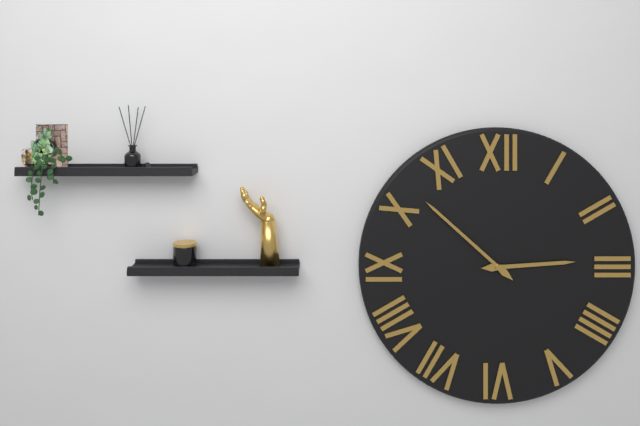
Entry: 2 h 52 min
